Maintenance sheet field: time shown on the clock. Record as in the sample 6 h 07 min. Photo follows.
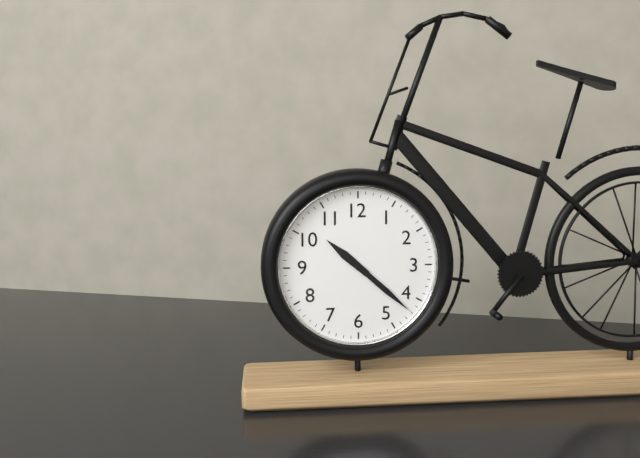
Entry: 10 h 22 min
